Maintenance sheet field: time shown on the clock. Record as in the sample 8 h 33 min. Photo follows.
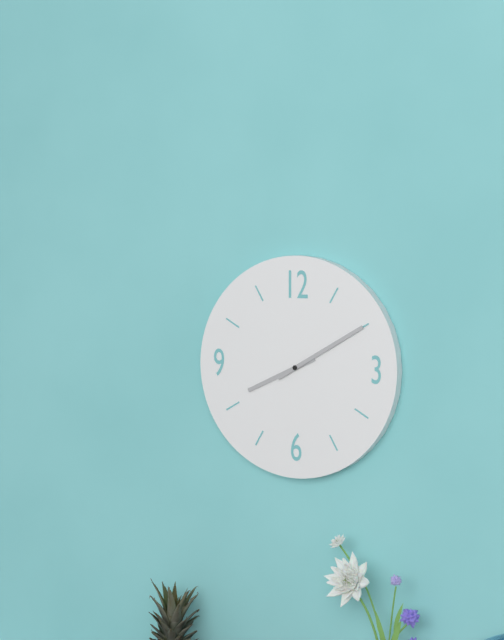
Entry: 8 h 10 min
